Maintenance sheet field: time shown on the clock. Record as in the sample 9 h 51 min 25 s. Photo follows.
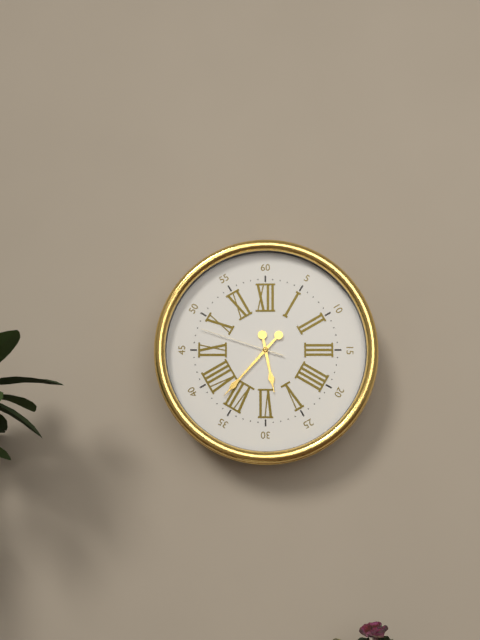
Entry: 5 h 37 min 48 s
